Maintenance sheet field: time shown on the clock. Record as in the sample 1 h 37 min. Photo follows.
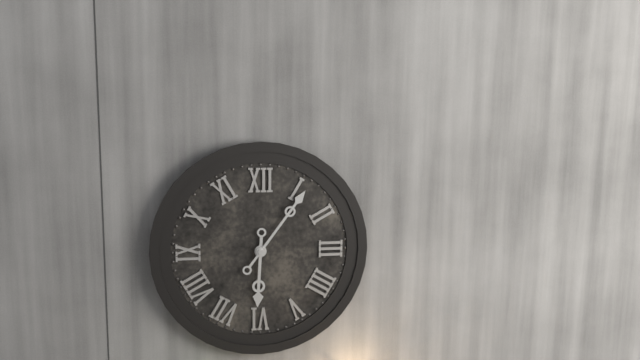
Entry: 6 h 06 min
